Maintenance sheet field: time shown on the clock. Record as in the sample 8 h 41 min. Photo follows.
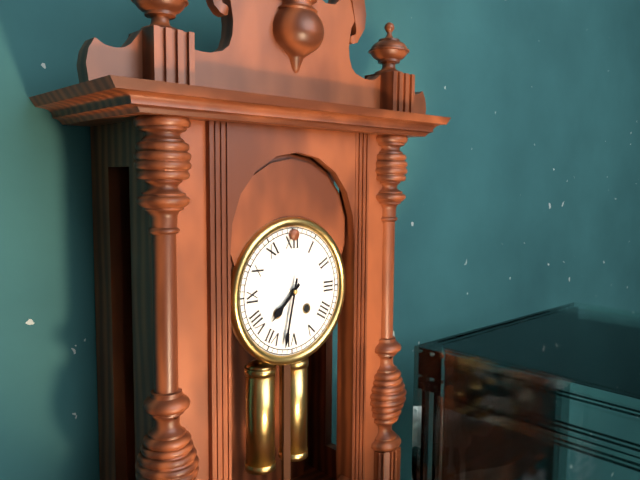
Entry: 7 h 32 min
